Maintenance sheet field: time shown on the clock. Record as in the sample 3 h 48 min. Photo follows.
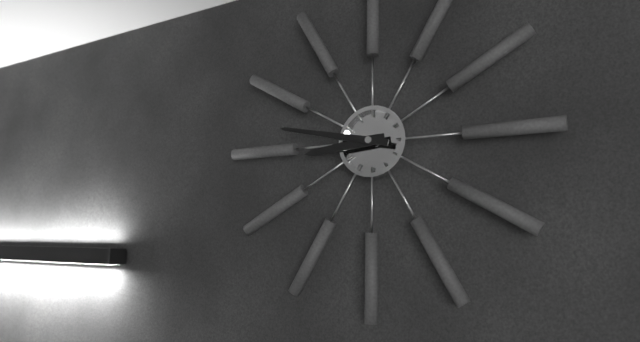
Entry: 8 h 47 min
